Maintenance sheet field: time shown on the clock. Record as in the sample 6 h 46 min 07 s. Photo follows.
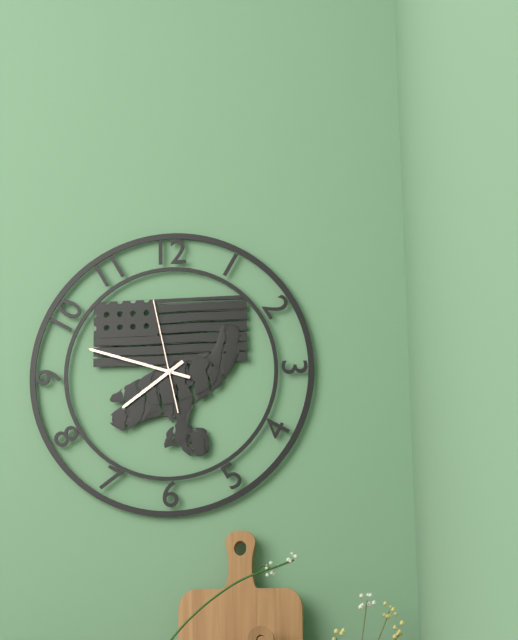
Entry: 7 h 48 min 58 s
